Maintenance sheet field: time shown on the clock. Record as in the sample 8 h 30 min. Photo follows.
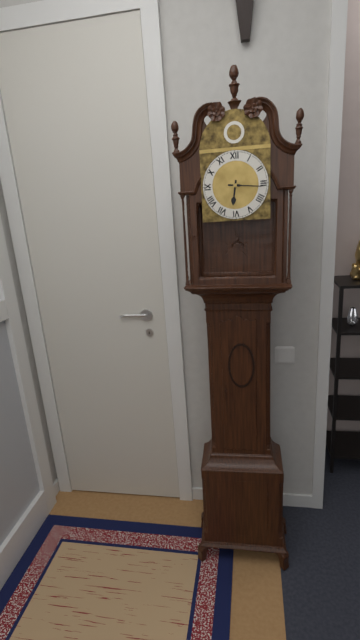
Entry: 6 h 16 min
